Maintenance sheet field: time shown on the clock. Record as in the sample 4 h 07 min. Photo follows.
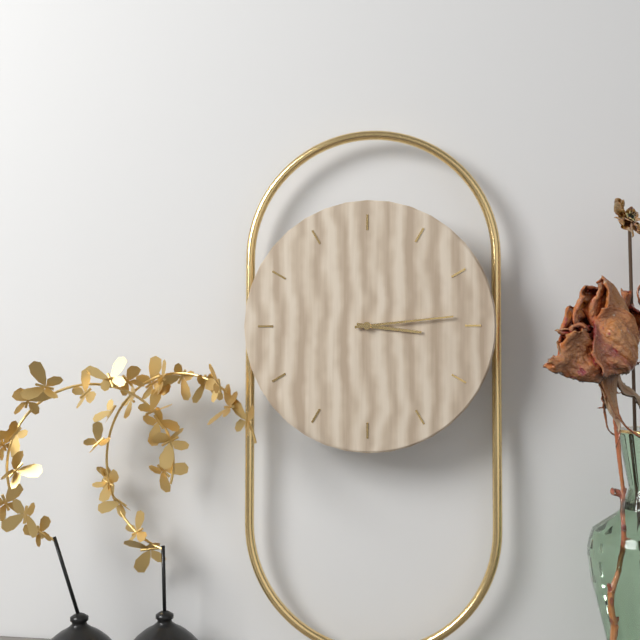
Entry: 3 h 14 min
